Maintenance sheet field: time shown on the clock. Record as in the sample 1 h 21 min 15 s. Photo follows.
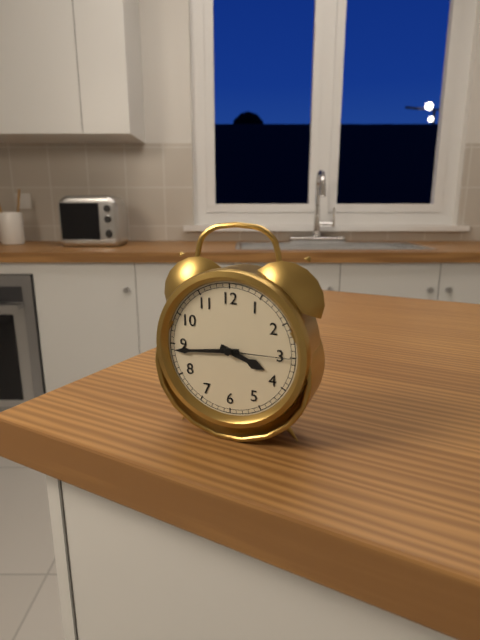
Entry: 3 h 44 min 15 s
